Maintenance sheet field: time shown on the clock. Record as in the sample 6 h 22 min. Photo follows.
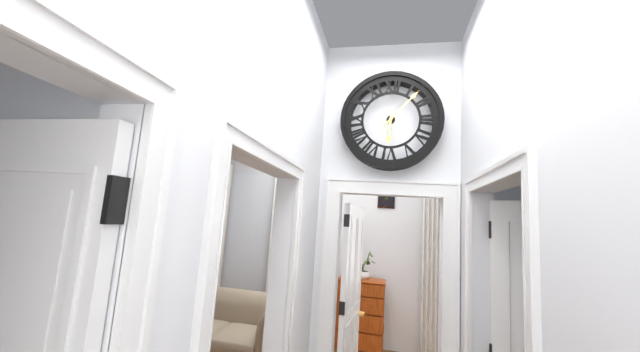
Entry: 6 h 07 min
